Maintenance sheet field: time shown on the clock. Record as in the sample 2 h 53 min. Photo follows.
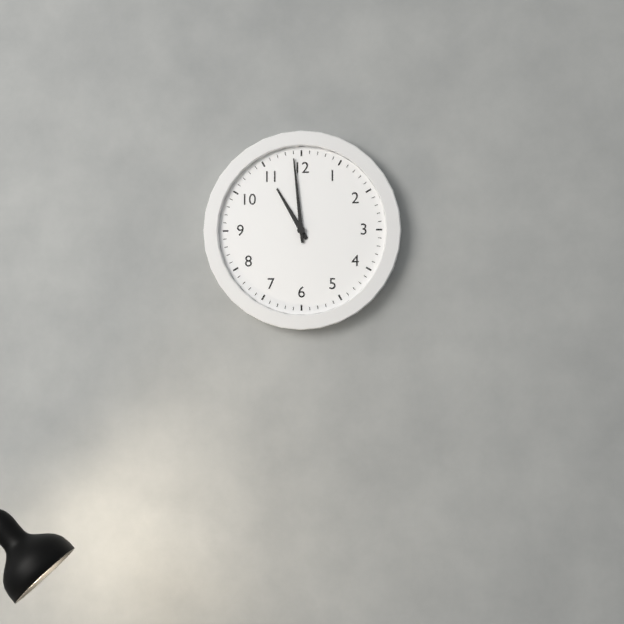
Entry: 10 h 59 min
